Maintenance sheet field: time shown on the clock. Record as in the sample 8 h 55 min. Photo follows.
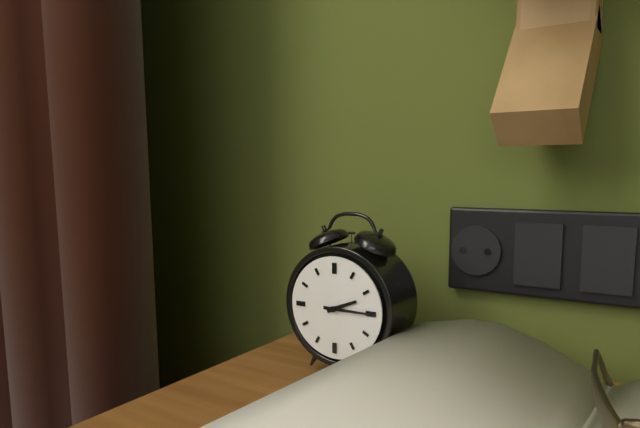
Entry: 2 h 15 min
